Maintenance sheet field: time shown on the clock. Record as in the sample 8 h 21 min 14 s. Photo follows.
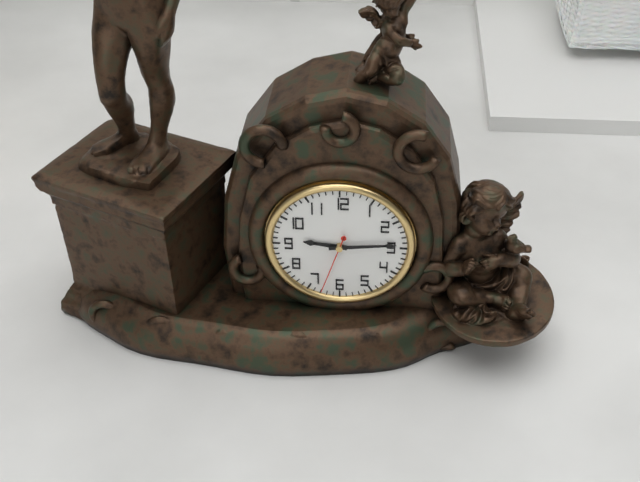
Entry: 9 h 14 min 33 s
